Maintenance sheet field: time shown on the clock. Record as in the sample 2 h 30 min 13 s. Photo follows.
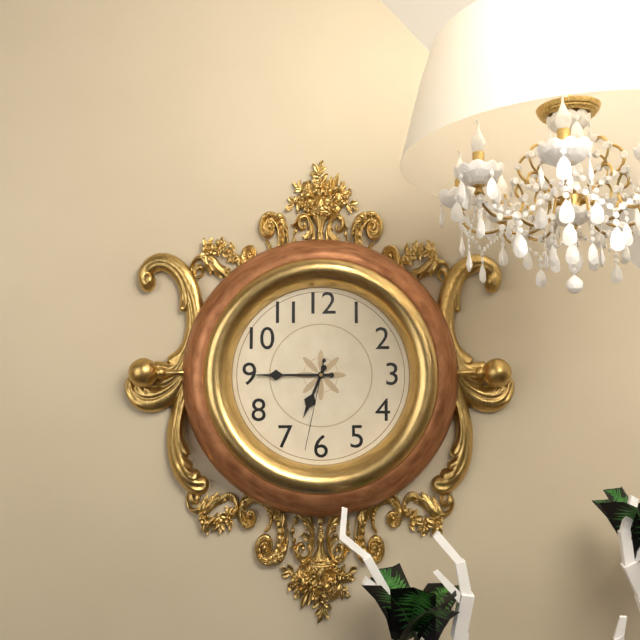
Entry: 6 h 45 min 32 s
